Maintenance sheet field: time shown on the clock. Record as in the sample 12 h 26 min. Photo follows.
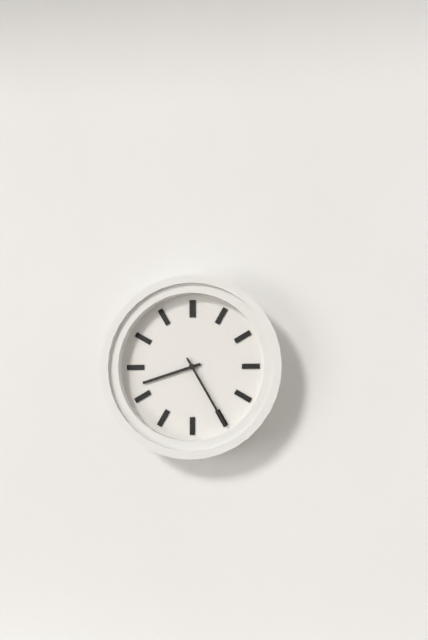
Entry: 8 h 25 min
